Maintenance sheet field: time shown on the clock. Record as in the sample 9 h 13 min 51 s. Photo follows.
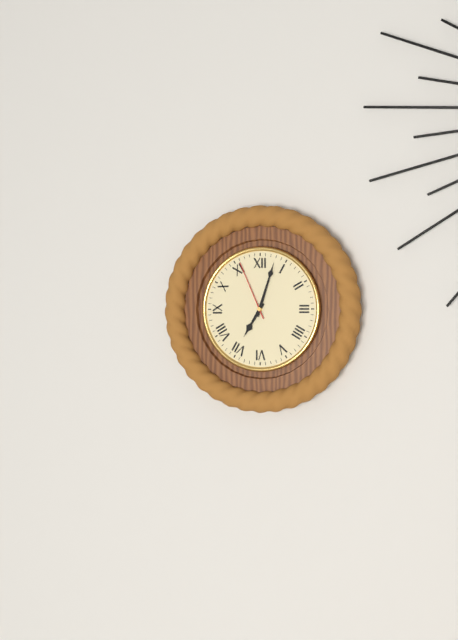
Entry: 7 h 03 min 56 s
